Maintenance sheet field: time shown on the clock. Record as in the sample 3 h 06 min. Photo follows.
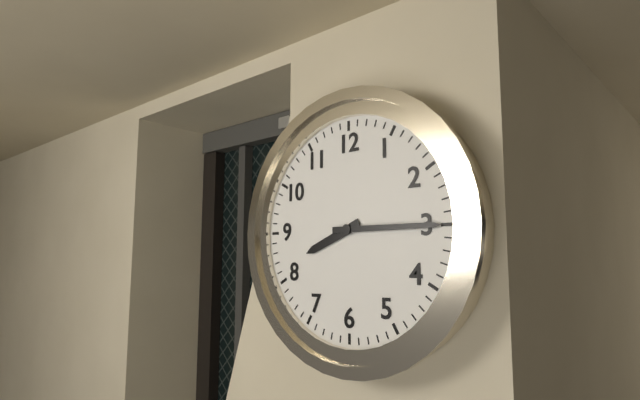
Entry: 8 h 15 min
